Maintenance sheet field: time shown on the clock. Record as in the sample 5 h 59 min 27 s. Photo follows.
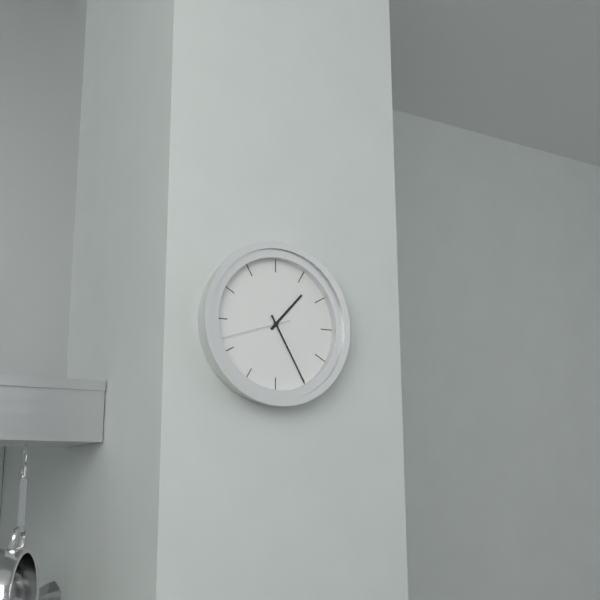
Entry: 1 h 25 min 42 s
